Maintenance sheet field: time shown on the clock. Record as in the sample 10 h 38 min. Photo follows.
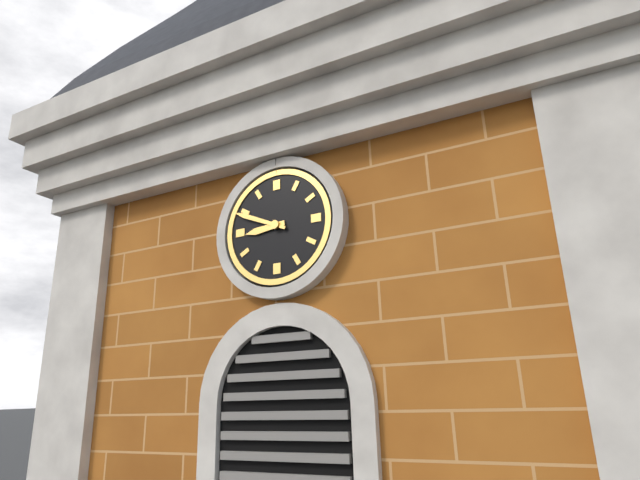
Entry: 8 h 49 min
